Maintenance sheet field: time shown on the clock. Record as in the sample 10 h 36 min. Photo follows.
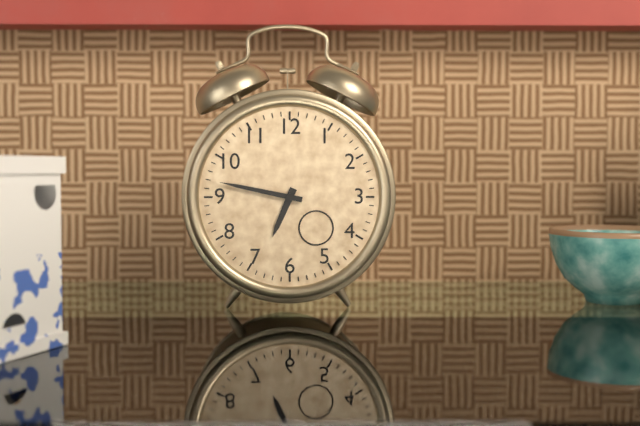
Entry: 6 h 47 min
